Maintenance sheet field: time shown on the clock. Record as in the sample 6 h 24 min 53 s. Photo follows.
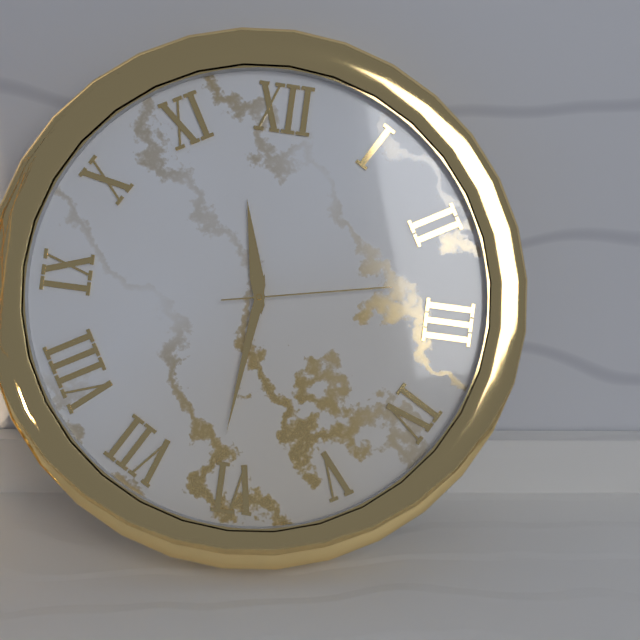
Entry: 11 h 31 min 13 s
